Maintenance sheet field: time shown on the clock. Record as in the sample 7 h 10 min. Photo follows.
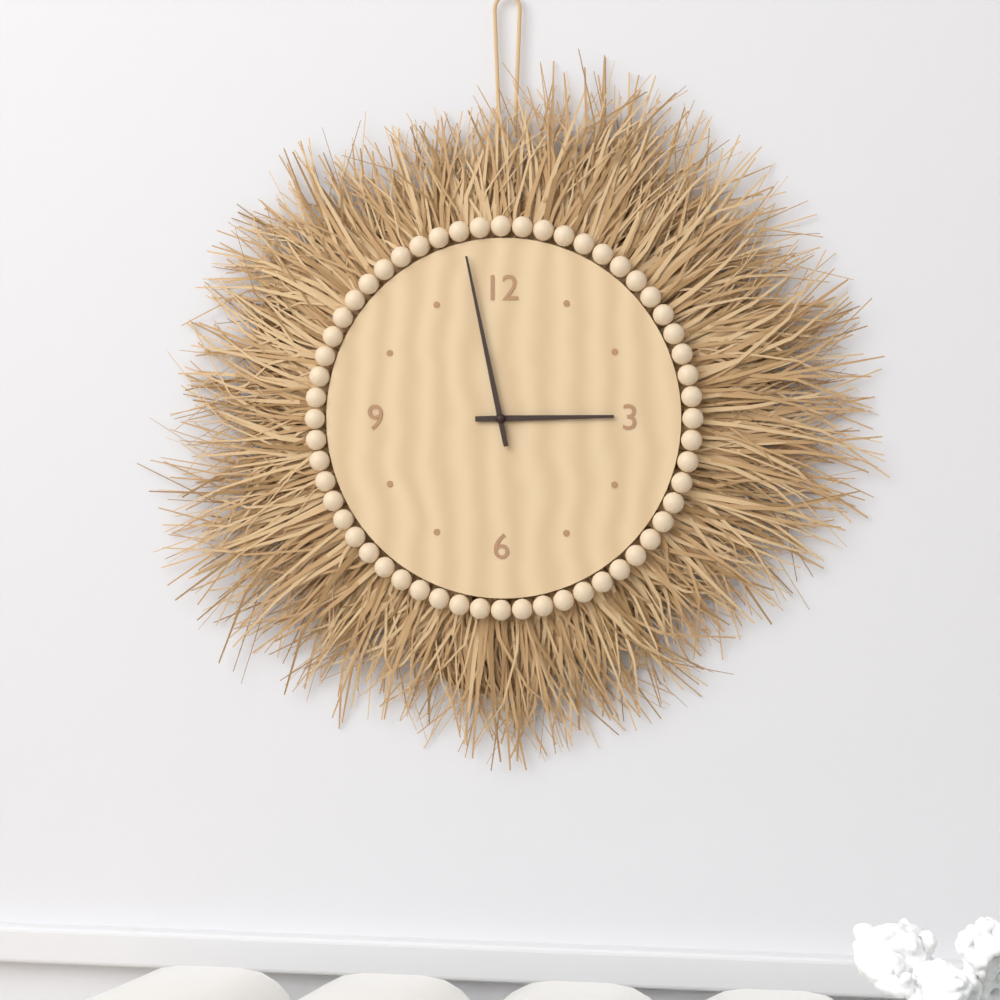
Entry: 2 h 58 min
